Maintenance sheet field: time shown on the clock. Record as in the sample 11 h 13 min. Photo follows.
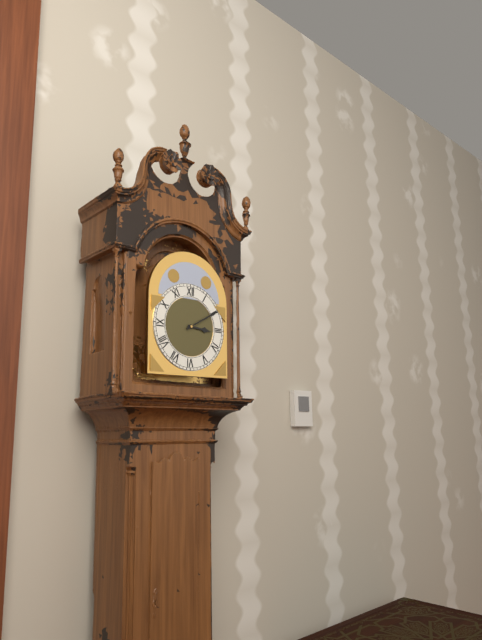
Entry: 3 h 10 min
